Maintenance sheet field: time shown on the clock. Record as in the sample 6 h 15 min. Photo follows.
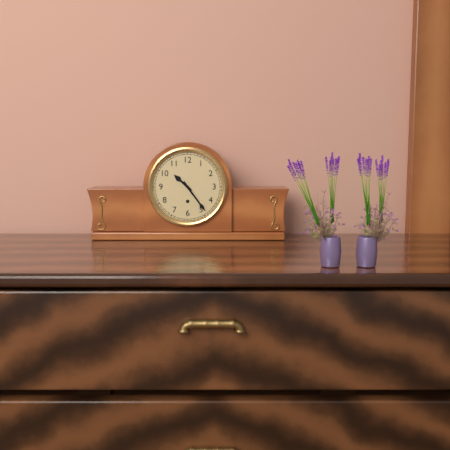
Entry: 10 h 24 min
